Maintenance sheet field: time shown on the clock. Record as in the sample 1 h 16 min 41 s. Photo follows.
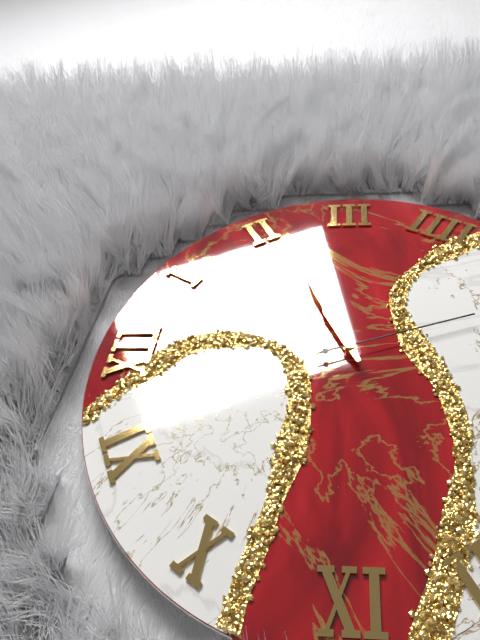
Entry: 2 h 11 min 27 s
